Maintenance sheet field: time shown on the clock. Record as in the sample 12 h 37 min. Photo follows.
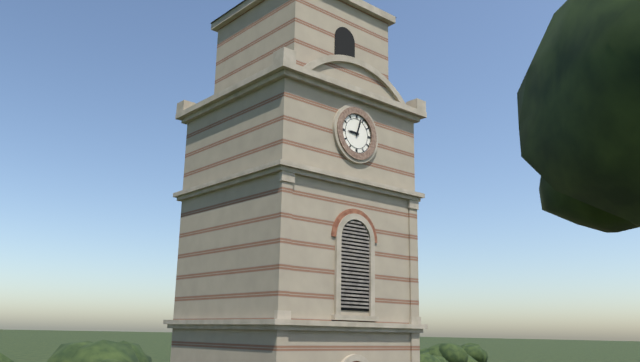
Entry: 9 h 03 min
